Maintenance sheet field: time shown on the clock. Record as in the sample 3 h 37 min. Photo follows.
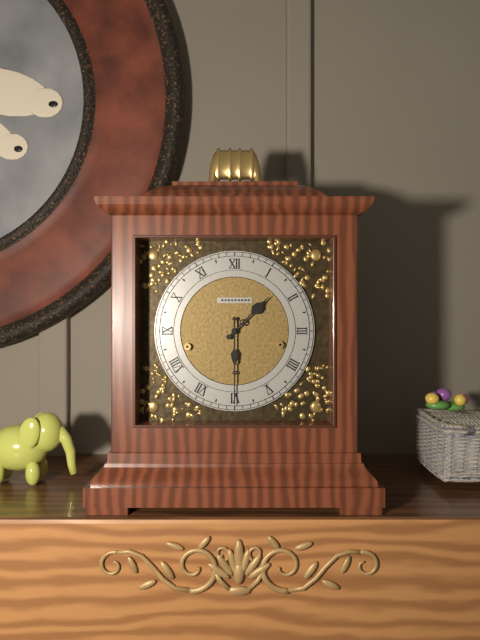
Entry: 1 h 30 min
